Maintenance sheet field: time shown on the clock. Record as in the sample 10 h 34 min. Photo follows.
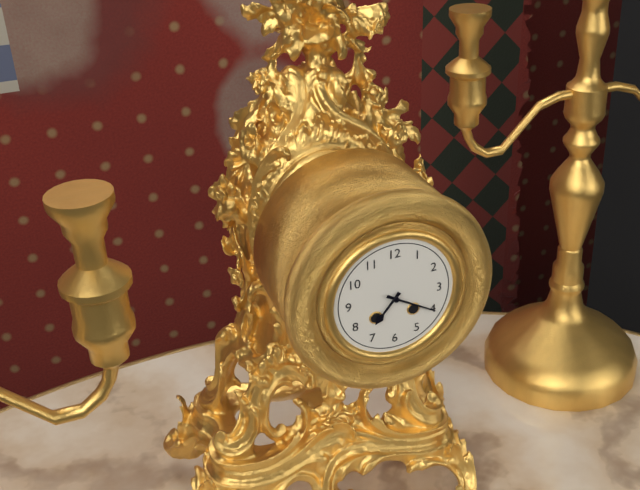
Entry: 7 h 20 min
